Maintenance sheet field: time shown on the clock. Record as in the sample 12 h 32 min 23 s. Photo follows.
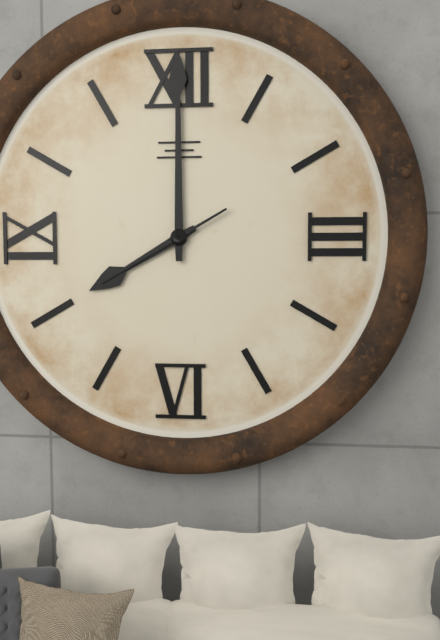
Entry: 8 h 00 min 40 s
